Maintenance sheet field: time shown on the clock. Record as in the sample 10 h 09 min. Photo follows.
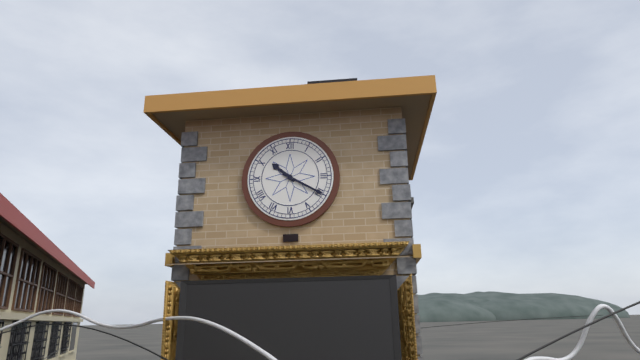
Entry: 10 h 20 min
